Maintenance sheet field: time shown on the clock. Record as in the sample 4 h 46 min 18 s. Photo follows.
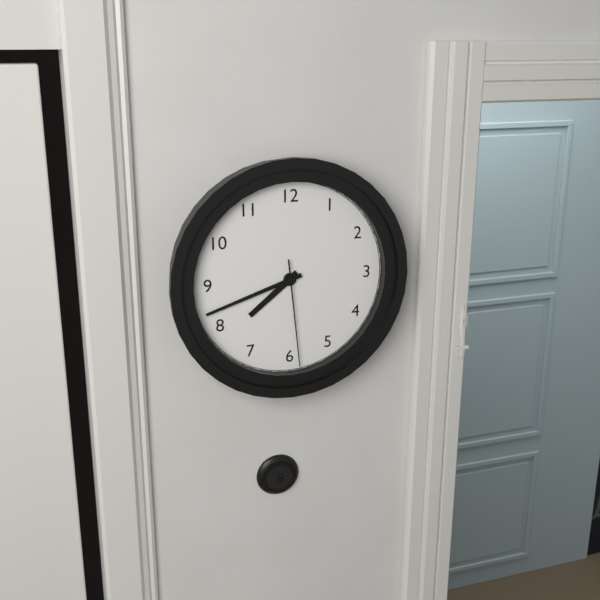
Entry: 7 h 42 min 29 s
